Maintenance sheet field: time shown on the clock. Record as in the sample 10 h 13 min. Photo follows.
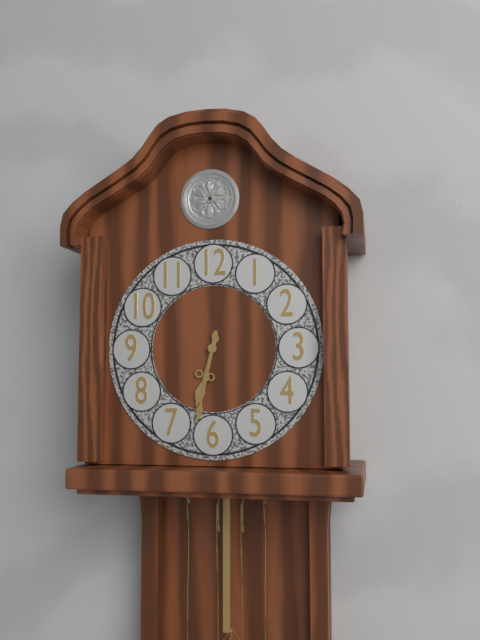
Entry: 6 h 32 min
